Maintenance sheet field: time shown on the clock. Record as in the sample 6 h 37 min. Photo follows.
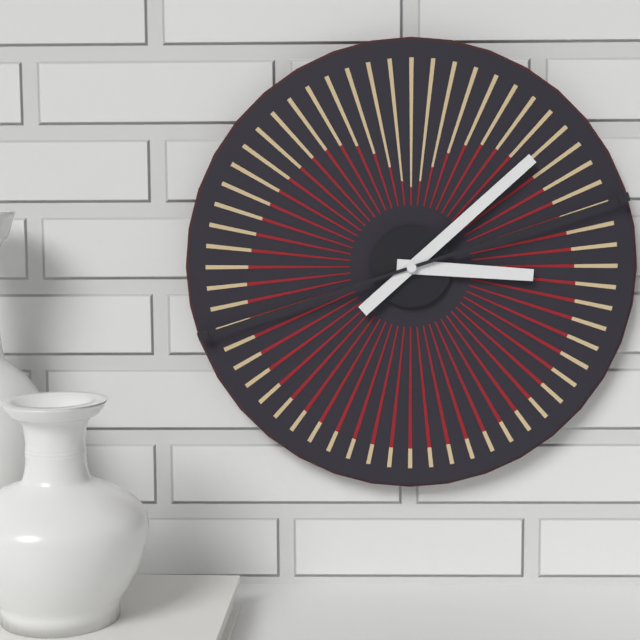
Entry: 3 h 08 min
